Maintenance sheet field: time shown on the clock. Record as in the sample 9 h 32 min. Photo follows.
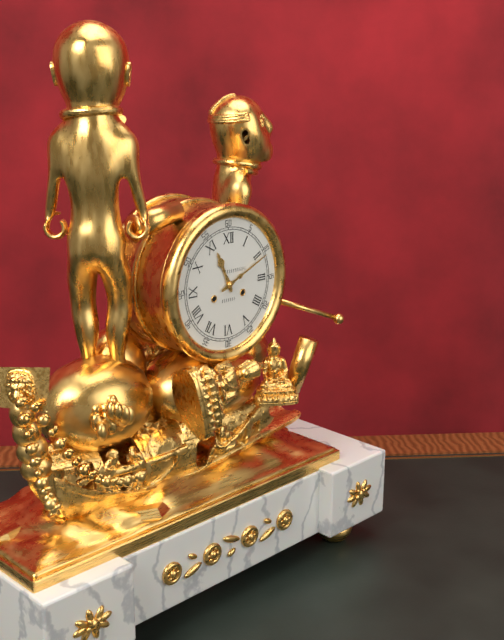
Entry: 11 h 11 min
